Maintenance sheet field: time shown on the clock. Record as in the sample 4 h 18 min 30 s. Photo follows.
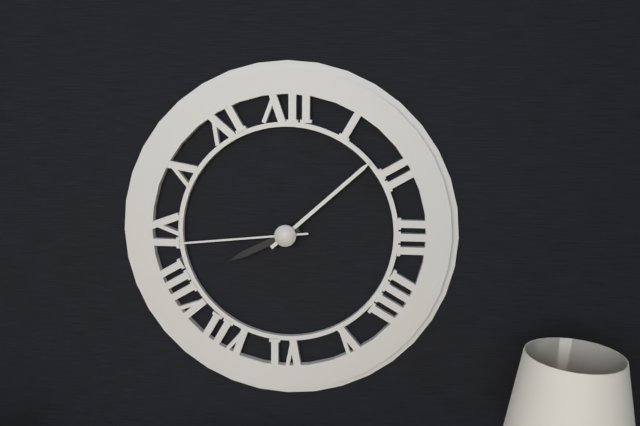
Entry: 8 h 08 min 44 s
